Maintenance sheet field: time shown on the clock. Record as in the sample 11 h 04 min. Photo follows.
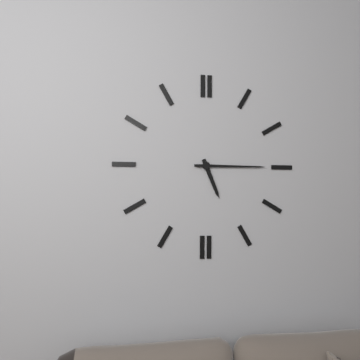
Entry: 5 h 15 min
